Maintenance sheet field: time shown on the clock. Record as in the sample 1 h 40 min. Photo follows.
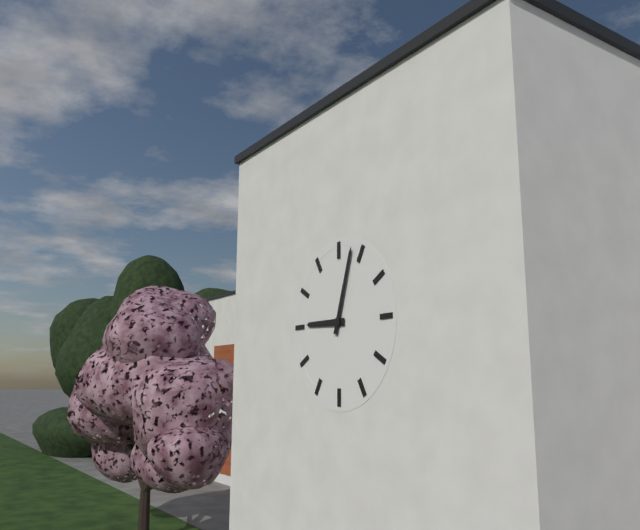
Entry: 9 h 03 min
